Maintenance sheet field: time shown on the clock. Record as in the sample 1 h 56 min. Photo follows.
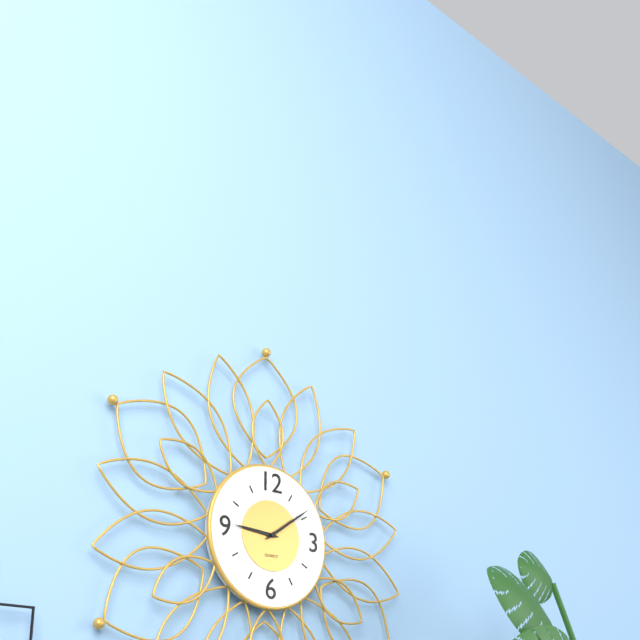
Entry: 9 h 09 min
